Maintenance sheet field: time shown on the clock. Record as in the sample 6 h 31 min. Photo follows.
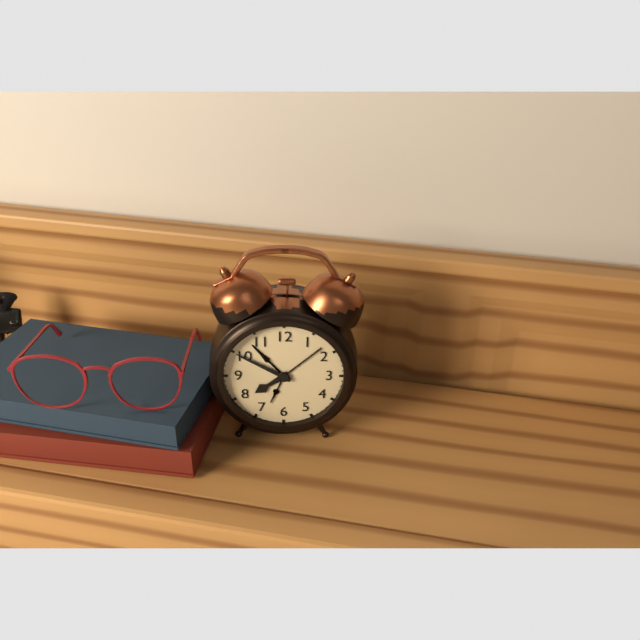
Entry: 7 h 50 min
